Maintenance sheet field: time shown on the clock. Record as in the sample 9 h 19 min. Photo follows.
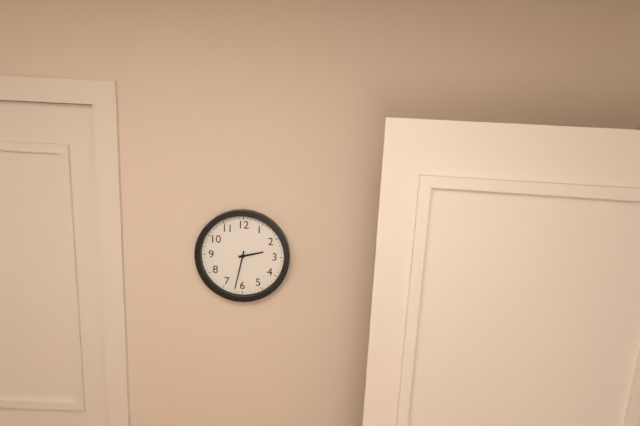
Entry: 2 h 32 min
